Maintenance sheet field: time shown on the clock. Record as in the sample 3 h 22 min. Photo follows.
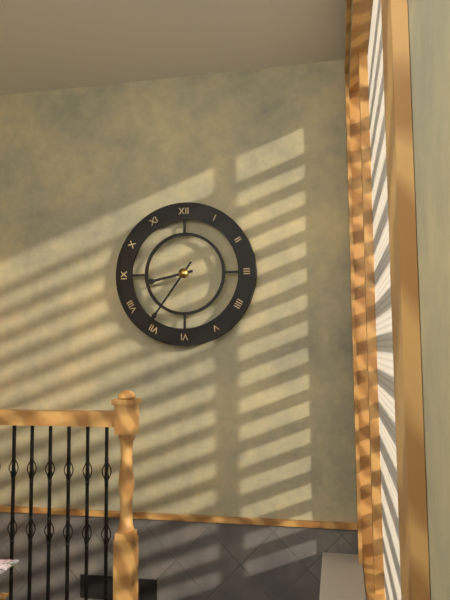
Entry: 8 h 36 min
